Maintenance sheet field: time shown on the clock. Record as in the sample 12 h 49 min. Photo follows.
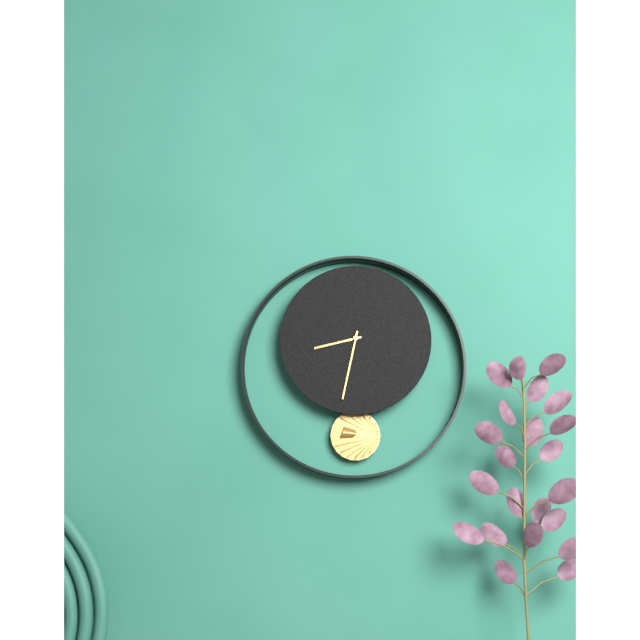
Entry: 8 h 32 min
